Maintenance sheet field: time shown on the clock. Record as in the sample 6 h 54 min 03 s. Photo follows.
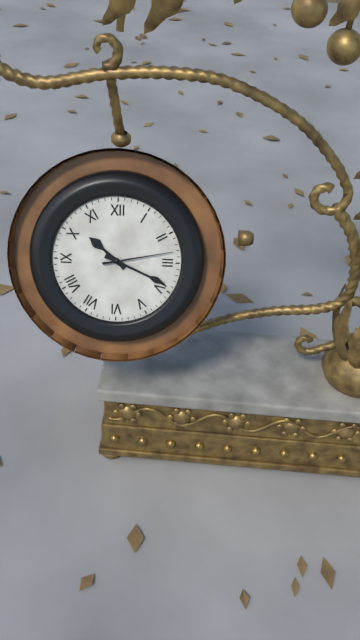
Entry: 10 h 19 min 13 s
